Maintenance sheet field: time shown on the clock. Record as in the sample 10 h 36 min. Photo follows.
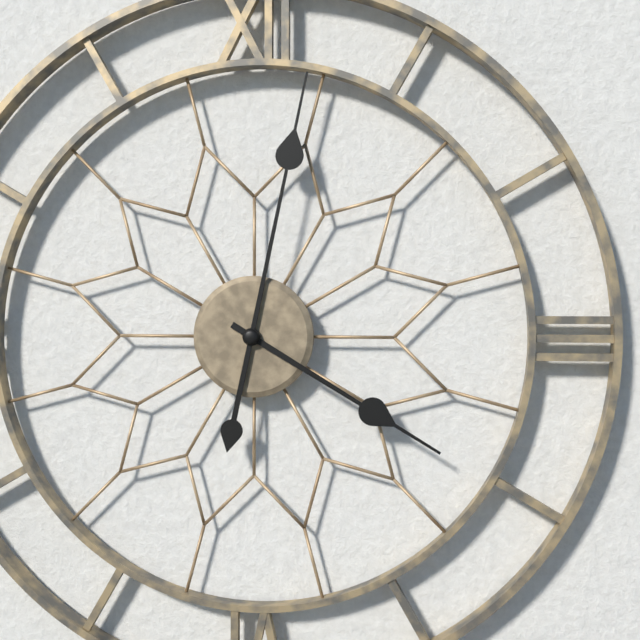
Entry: 4 h 02 min
